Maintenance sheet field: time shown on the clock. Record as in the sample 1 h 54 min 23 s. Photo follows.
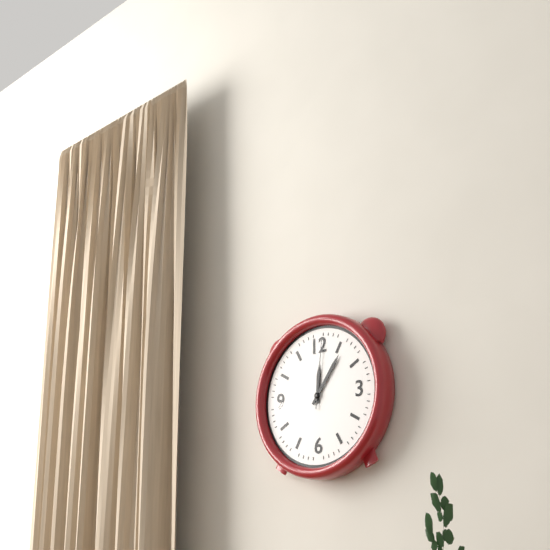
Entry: 12 h 06 min 01 s
